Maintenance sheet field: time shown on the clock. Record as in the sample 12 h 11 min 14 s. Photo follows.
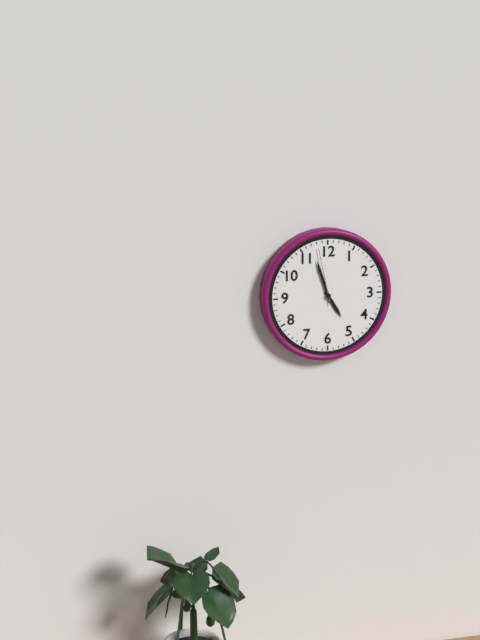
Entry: 4 h 57 min 58 s
